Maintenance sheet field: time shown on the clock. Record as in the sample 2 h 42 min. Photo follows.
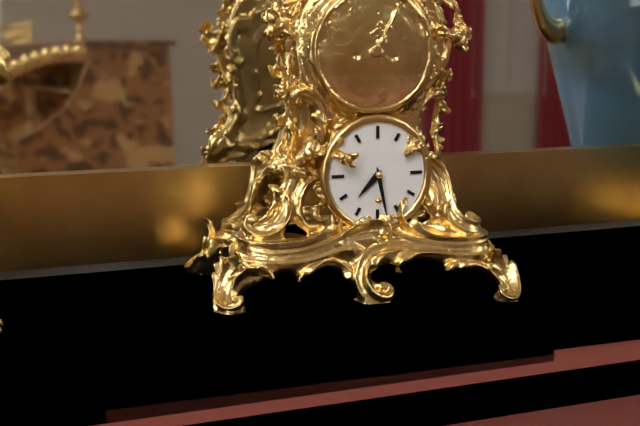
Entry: 7 h 28 min
